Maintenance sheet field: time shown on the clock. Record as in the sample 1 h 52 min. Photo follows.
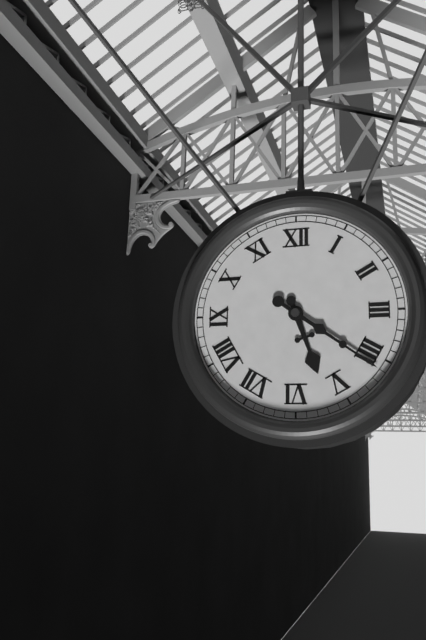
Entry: 5 h 21 min
